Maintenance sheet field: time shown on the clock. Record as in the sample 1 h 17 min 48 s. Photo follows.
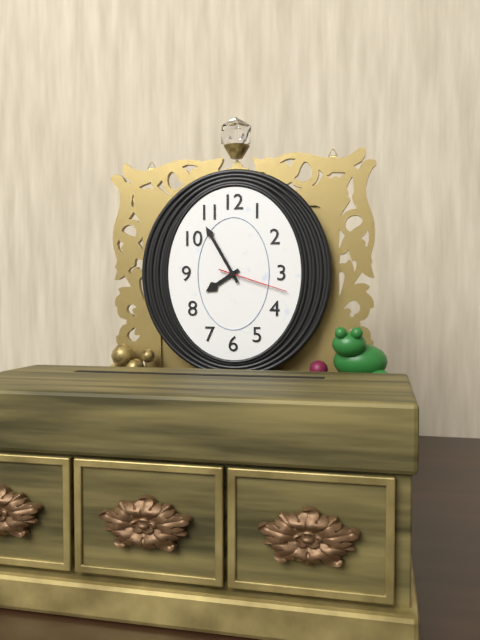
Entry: 7 h 55 min 18 s
